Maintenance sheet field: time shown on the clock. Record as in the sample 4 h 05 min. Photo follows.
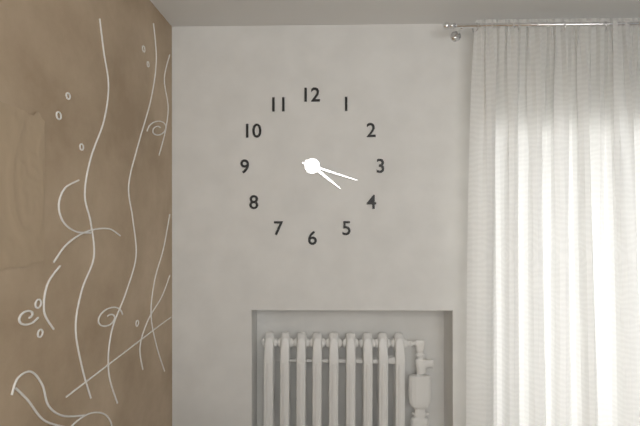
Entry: 4 h 18 min
